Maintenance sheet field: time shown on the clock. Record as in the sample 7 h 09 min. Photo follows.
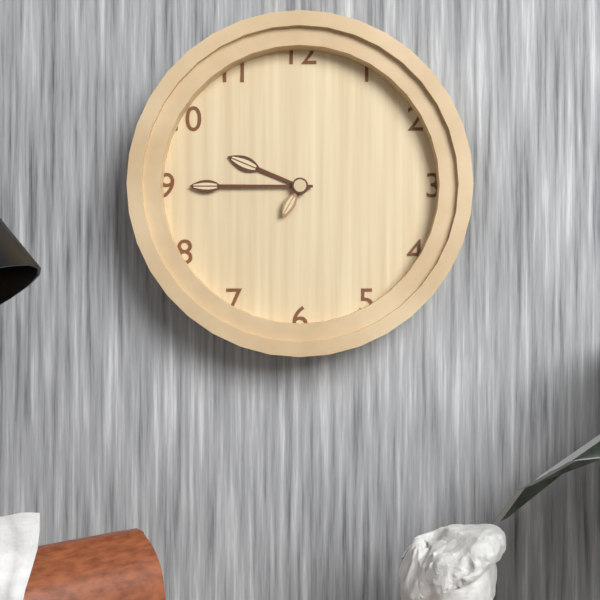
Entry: 9 h 45 min
